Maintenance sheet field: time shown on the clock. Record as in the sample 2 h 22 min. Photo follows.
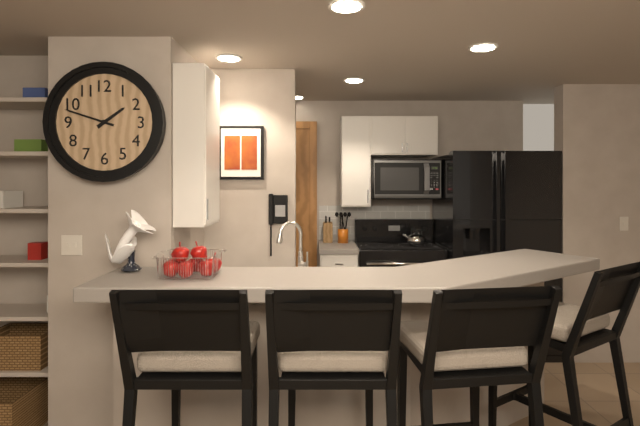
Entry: 1 h 48 min
